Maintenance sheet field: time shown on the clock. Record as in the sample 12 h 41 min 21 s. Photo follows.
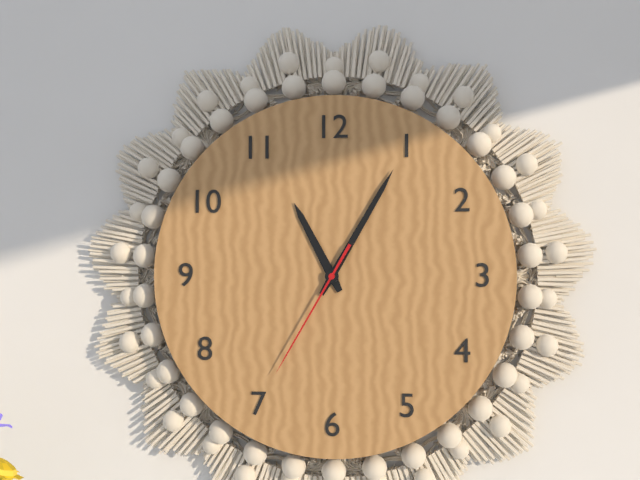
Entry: 11 h 05 min 35 s
